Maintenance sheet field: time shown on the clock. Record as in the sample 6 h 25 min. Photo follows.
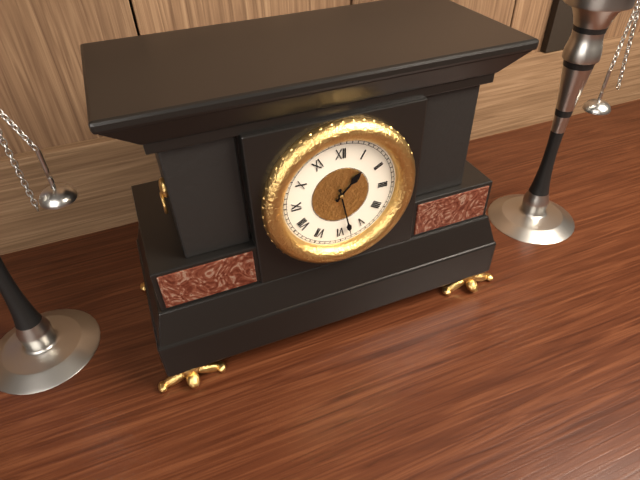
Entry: 1 h 28 min
